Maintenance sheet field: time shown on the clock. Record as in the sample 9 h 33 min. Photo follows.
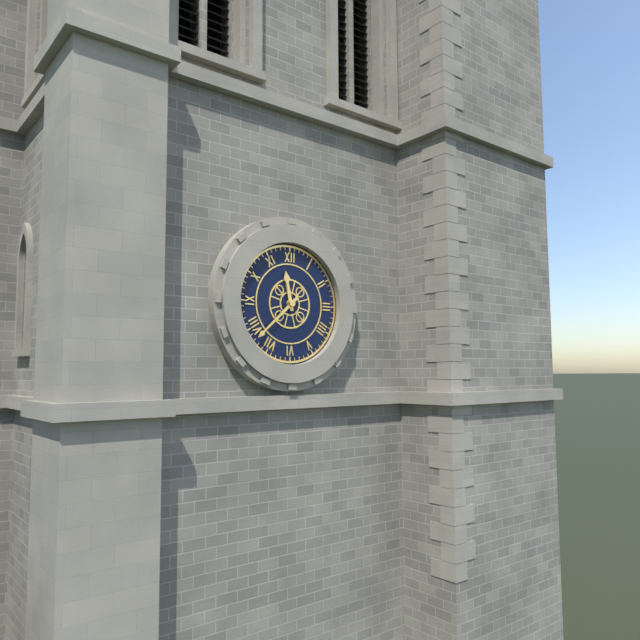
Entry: 11 h 38 min
